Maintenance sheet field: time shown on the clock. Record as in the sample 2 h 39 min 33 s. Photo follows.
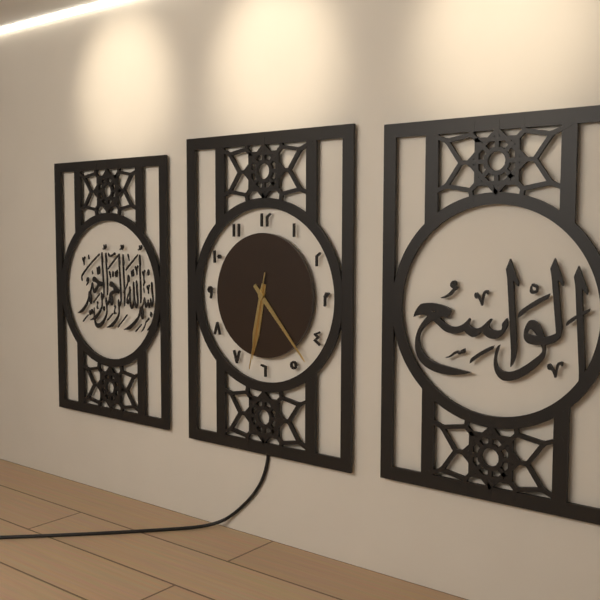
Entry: 6 h 23 min 32 s
